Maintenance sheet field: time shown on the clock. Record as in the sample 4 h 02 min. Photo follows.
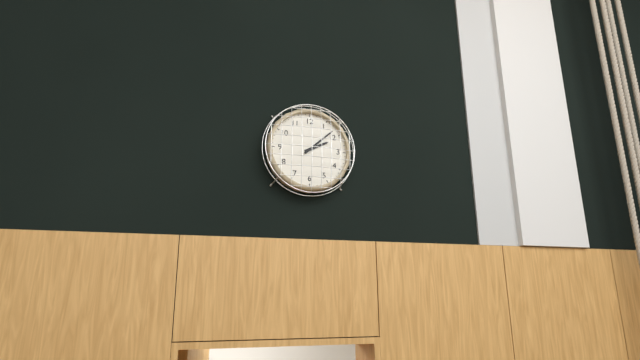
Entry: 2 h 08 min
